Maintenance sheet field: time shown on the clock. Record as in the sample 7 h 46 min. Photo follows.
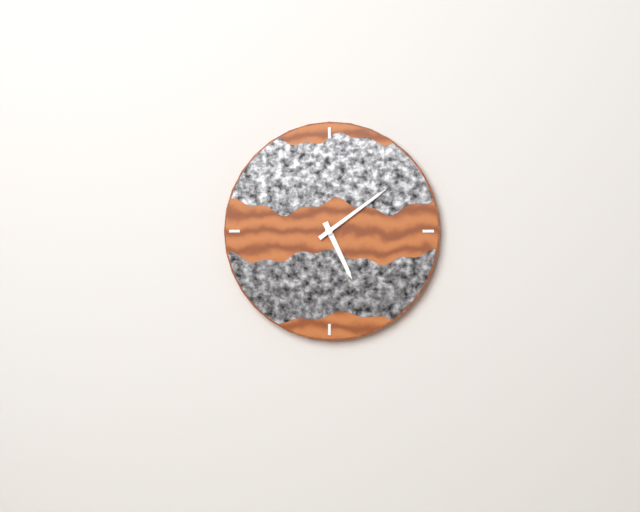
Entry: 5 h 09 min
